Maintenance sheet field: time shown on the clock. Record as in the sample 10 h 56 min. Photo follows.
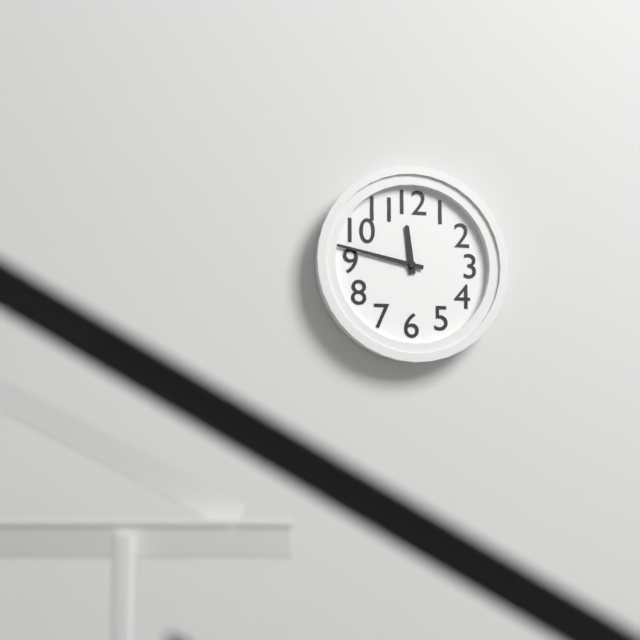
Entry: 11 h 47 min
